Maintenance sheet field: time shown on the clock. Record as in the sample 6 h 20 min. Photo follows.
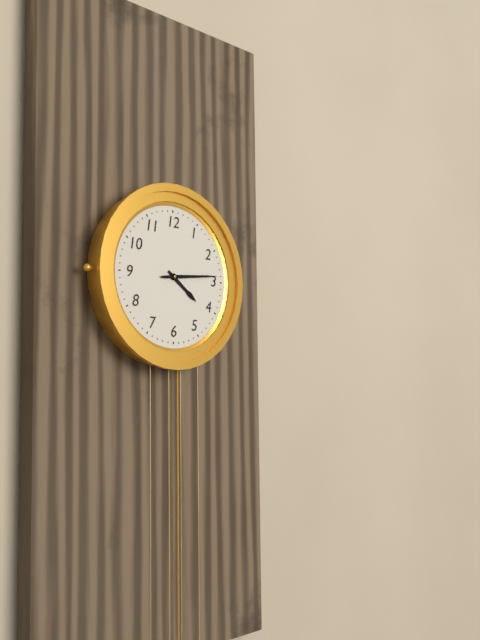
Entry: 4 h 14 min
